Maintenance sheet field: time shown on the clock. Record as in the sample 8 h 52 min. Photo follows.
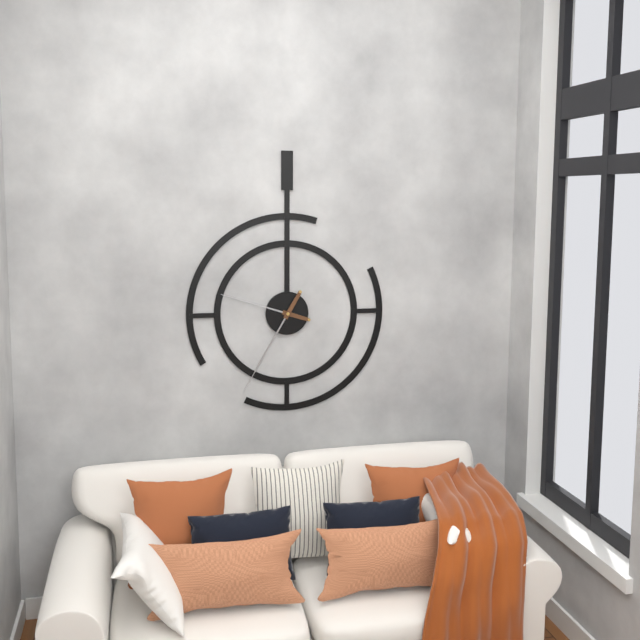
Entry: 9 h 35 min
